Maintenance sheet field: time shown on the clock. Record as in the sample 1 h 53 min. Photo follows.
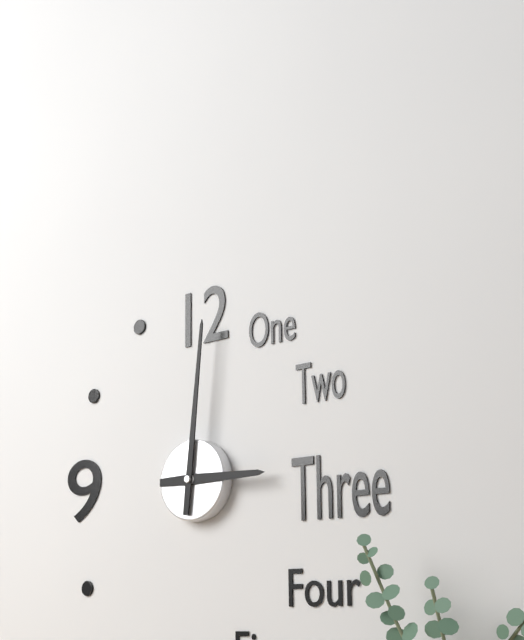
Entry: 3 h 01 min
